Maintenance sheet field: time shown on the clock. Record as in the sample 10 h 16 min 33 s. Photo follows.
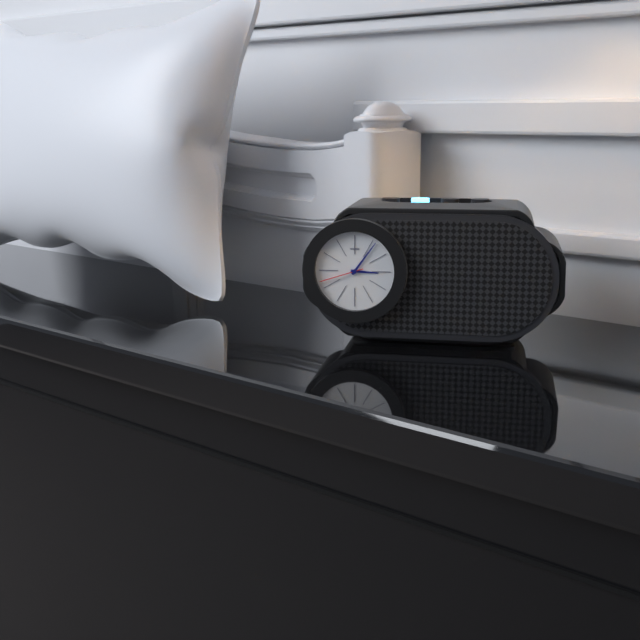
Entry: 3 h 06 min 42 s
